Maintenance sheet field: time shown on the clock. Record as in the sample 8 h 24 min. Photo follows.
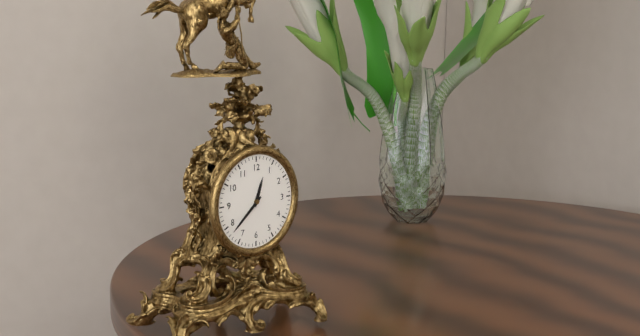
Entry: 12 h 38 min
